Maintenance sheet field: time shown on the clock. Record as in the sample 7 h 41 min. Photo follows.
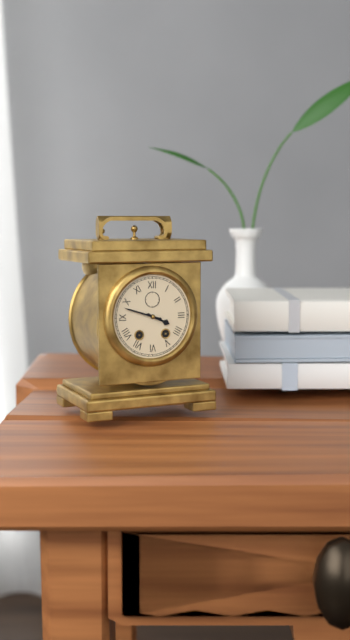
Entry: 3 h 48 min
